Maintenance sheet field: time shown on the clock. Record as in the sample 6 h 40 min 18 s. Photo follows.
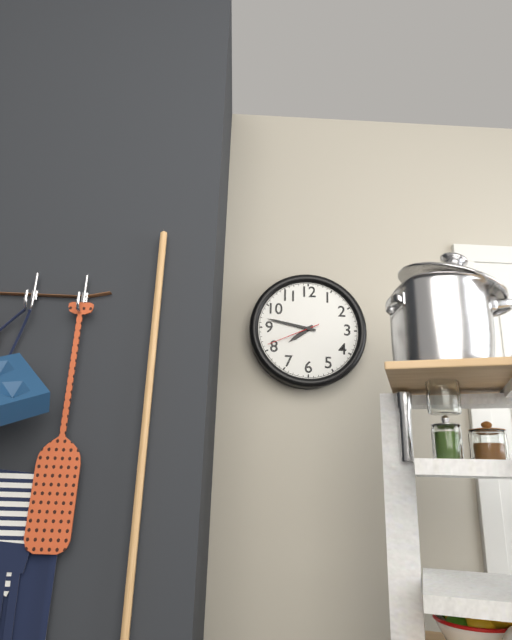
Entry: 7 h 47 min 41 s
